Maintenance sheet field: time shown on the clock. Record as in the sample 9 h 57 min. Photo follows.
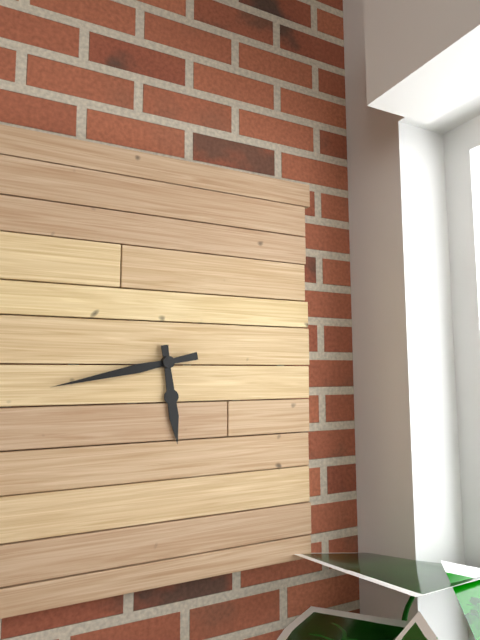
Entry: 5 h 43 min
